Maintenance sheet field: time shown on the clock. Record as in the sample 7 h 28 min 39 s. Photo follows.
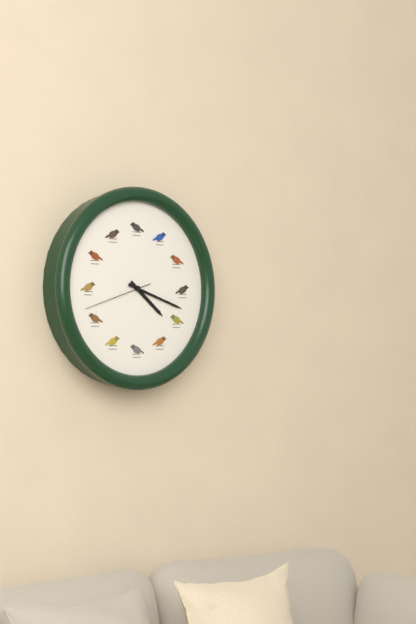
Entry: 4 h 18 min 42 s
